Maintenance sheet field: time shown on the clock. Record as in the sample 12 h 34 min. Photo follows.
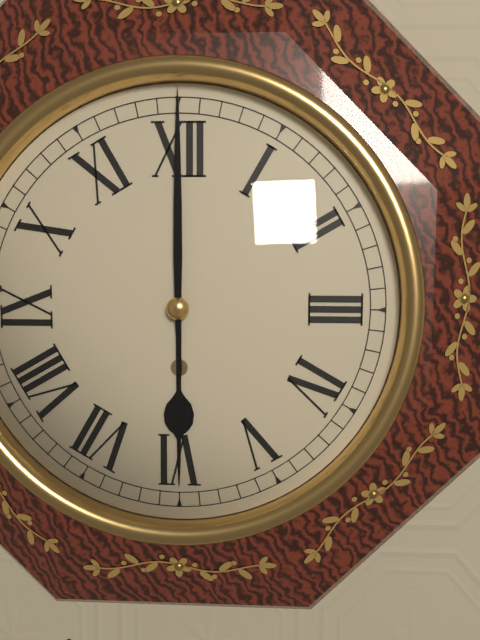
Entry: 6 h 00 min
